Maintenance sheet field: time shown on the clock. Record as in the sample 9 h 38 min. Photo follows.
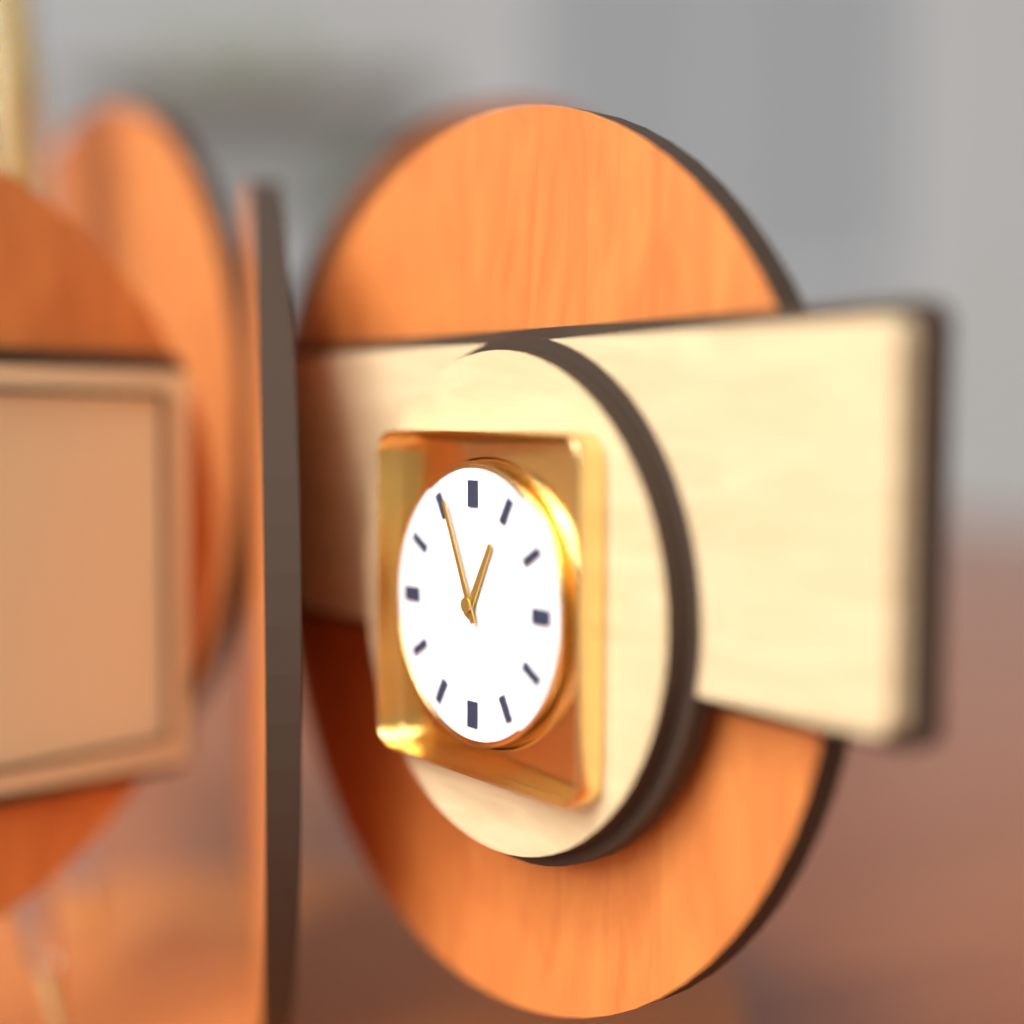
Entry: 12 h 56 min
